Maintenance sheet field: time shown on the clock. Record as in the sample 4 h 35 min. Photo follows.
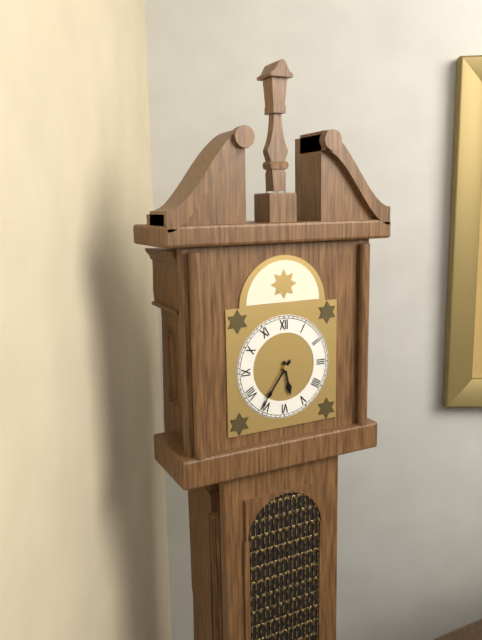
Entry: 5 h 36 min
